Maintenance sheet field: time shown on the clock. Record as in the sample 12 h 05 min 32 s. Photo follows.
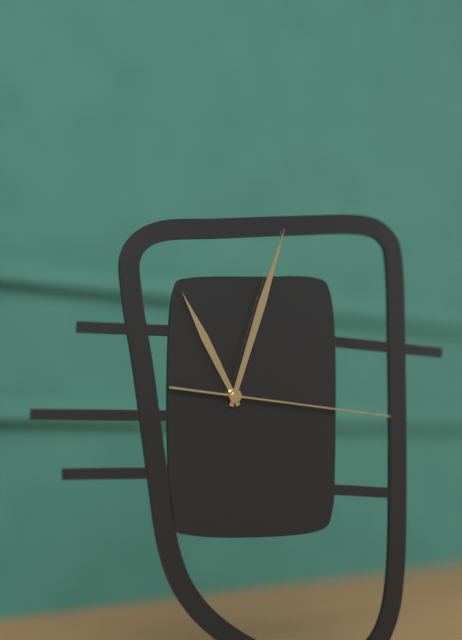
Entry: 11 h 03 min 16 s
